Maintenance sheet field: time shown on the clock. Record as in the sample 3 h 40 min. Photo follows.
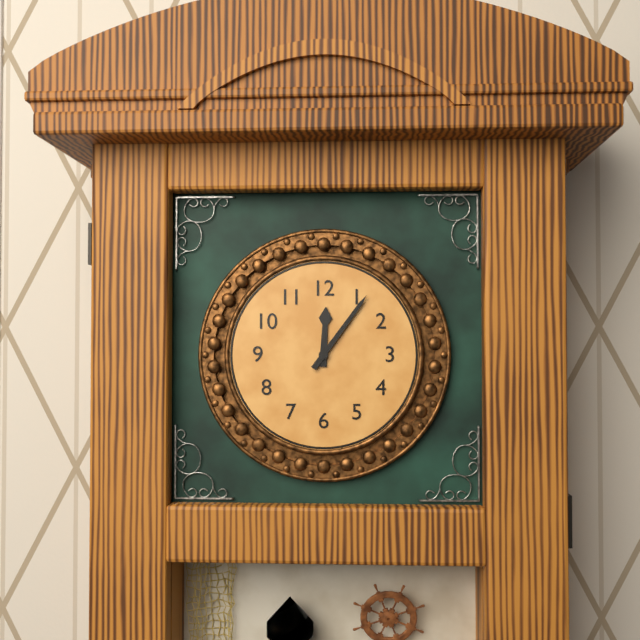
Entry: 12 h 06 min
